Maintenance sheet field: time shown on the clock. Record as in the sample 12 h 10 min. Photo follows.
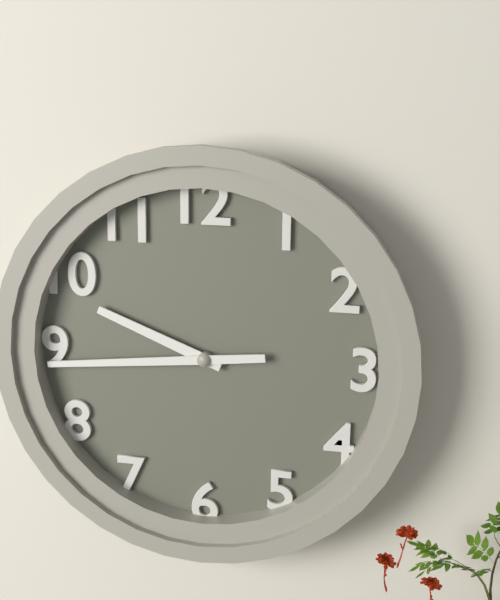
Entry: 9 h 44 min
